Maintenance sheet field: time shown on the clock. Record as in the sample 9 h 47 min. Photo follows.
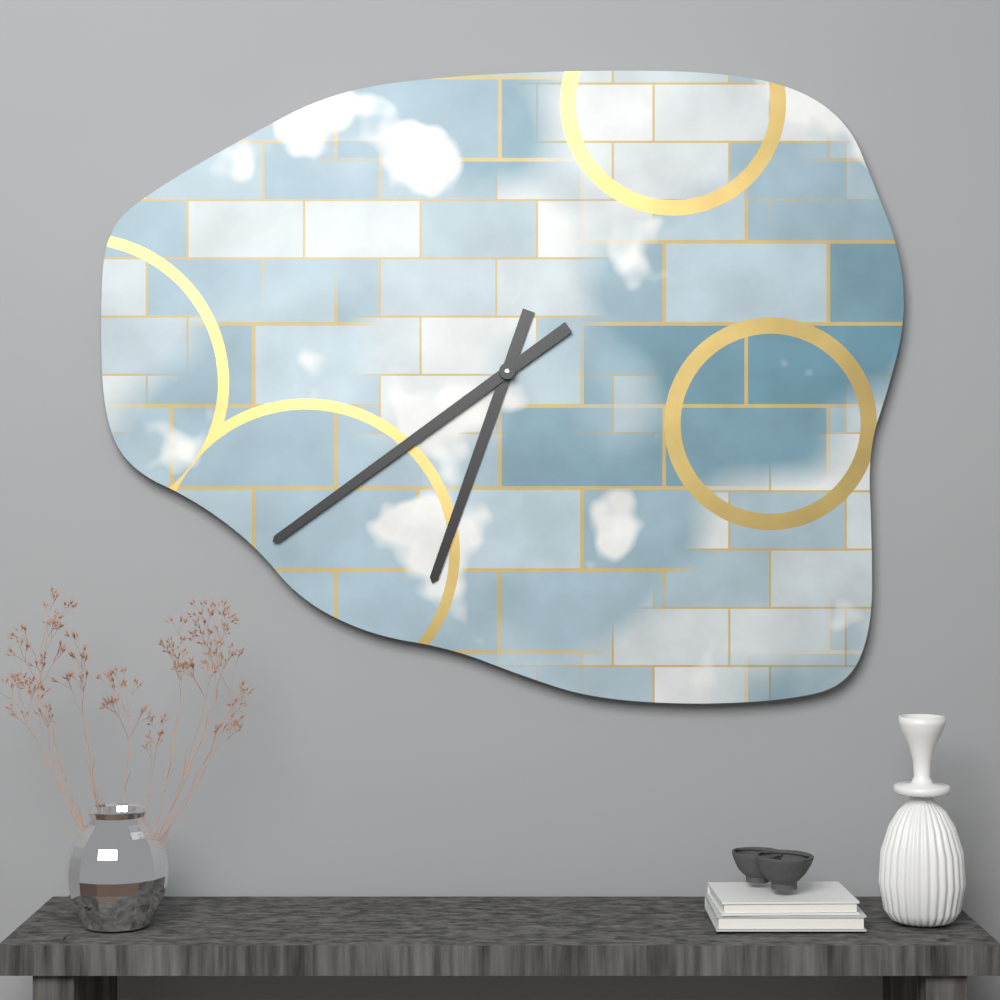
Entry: 6 h 39 min
